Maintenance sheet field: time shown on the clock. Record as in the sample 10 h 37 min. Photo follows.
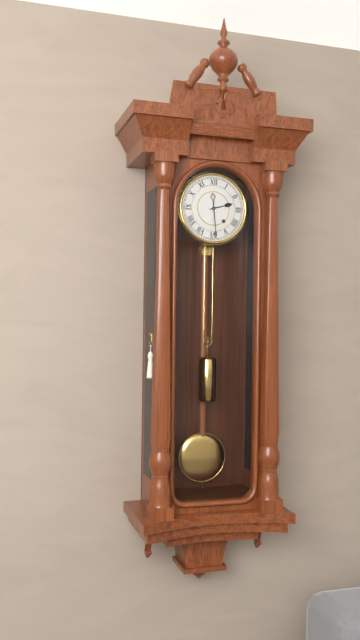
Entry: 2 h 29 min
